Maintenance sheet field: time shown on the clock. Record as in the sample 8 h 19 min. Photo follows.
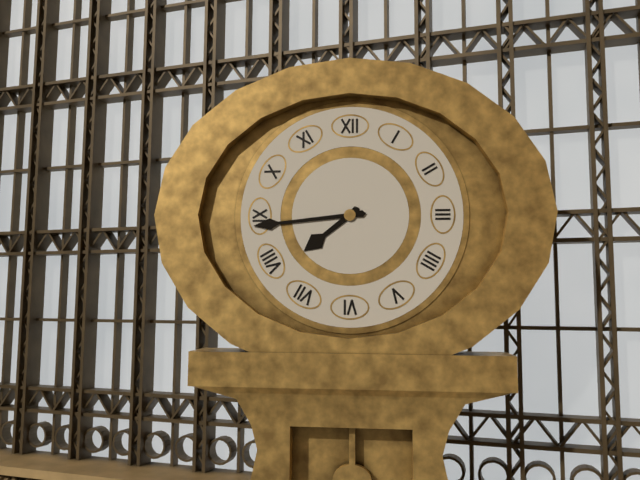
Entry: 7 h 44 min
